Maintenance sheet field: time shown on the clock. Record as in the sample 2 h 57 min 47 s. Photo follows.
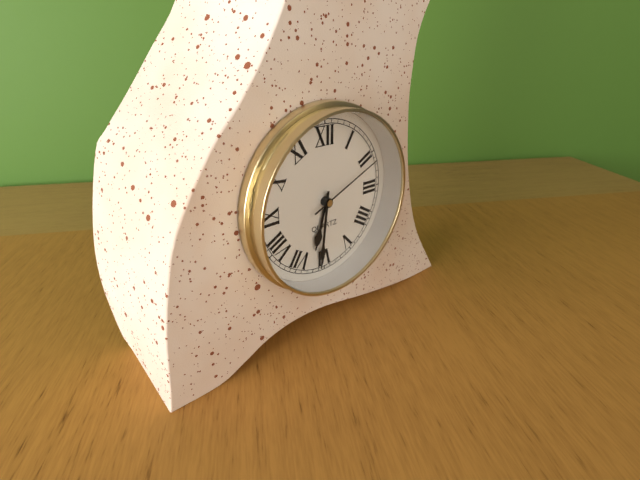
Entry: 6 h 31 min 11 s
